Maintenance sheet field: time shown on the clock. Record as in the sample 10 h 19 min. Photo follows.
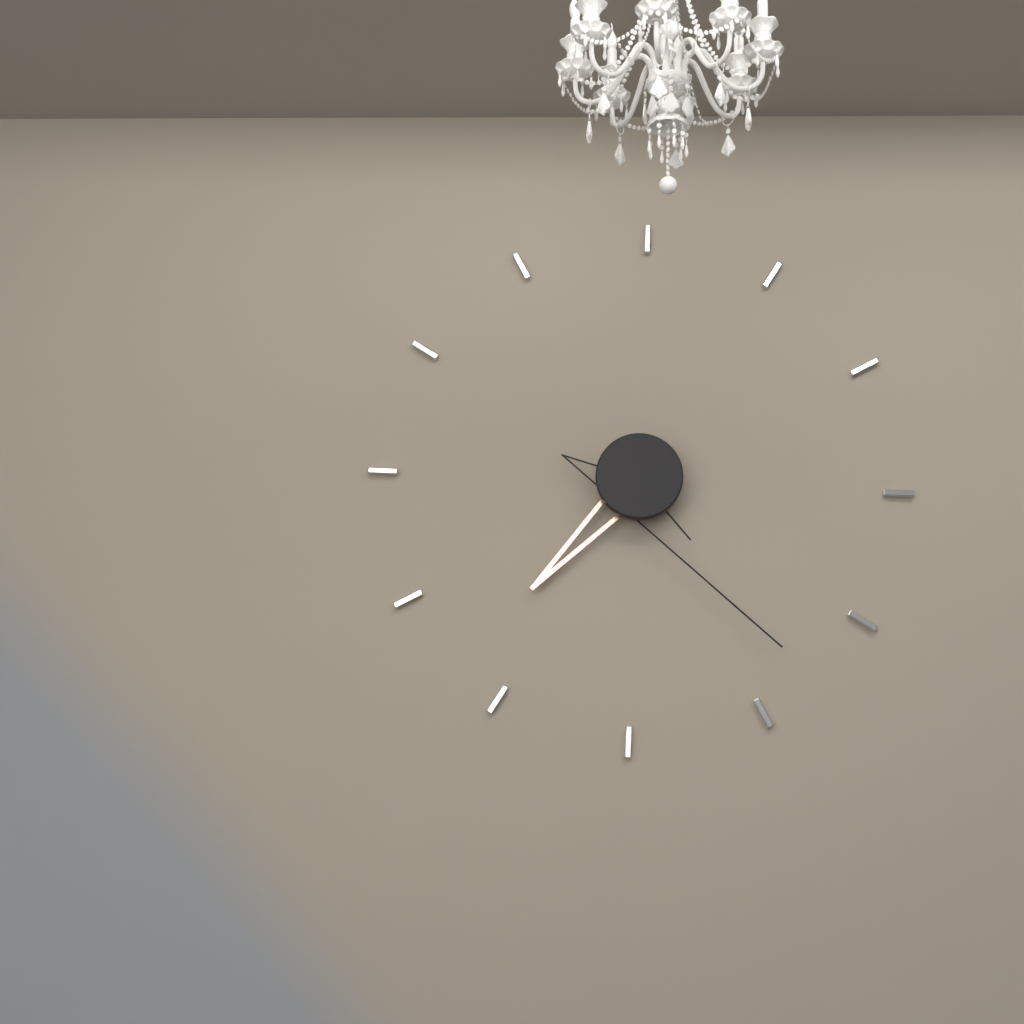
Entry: 7 h 23 min
